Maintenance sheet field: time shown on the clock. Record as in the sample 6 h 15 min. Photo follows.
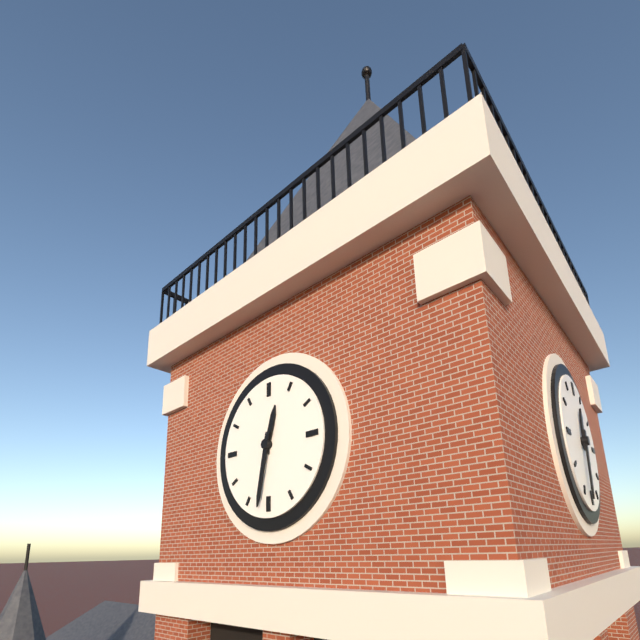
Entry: 12 h 32 min
